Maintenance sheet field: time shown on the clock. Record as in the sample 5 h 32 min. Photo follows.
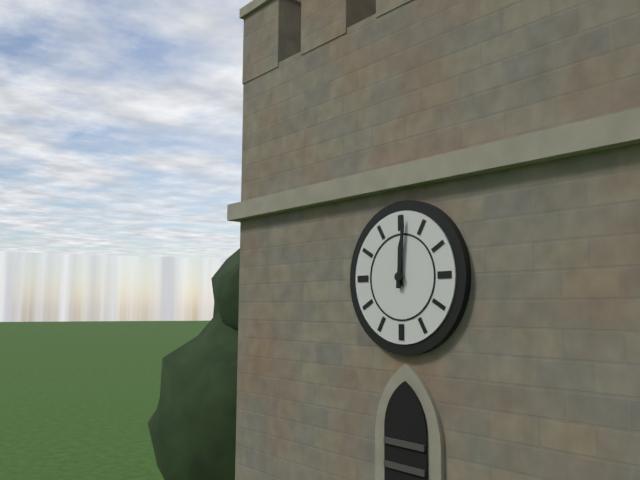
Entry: 12 h 01 min
